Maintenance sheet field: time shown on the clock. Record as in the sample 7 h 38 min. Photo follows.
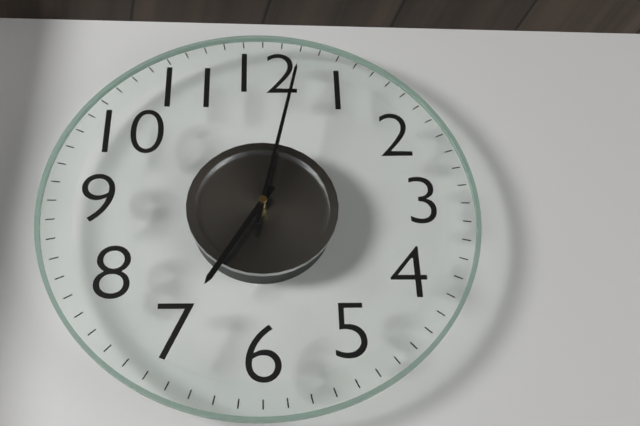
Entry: 7 h 02 min
